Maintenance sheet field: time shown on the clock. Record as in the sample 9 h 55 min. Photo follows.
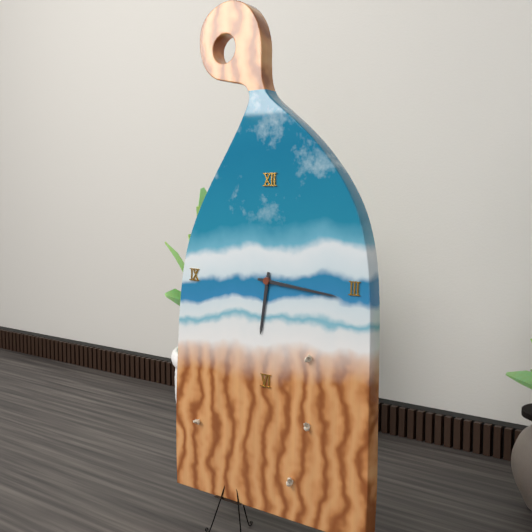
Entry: 6 h 16 min
